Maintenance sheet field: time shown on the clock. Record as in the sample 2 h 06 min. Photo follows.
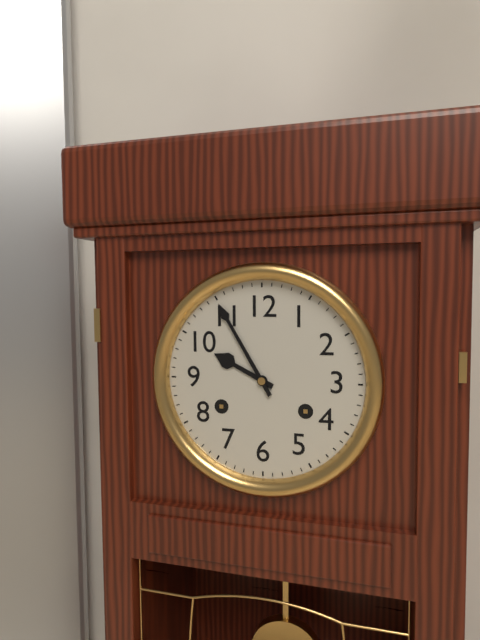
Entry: 9 h 55 min
